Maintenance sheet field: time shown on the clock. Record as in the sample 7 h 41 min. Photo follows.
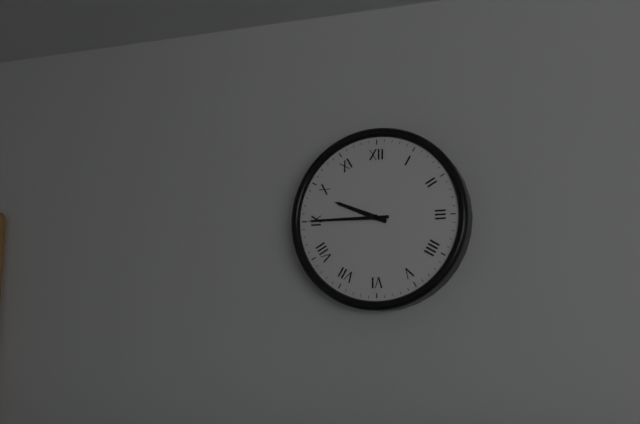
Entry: 9 h 45 min
